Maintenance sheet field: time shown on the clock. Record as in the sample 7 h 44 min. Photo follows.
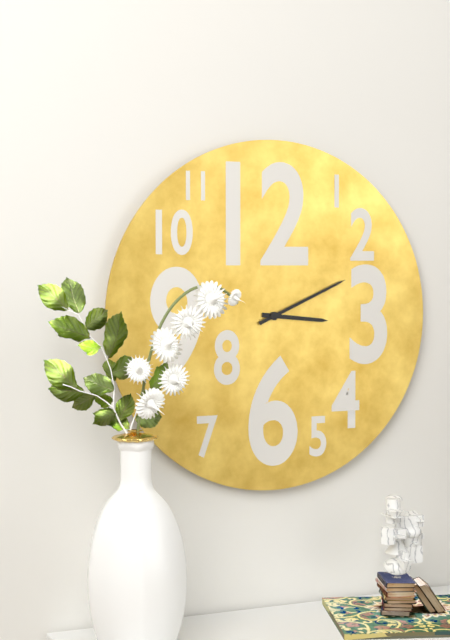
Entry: 3 h 11 min
